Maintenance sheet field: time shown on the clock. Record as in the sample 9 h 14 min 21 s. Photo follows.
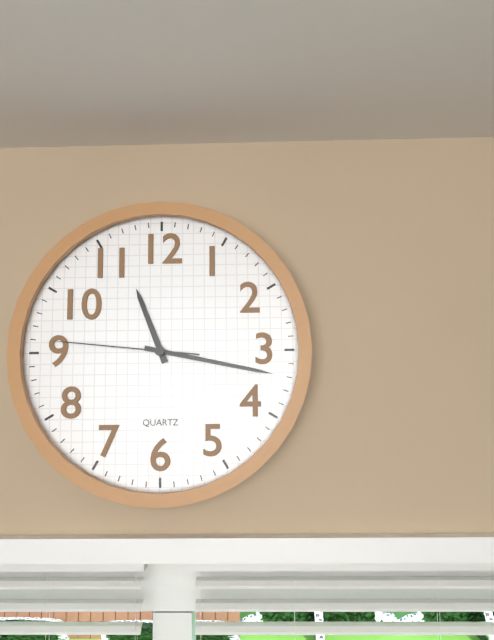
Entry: 11 h 17 min 46 s
